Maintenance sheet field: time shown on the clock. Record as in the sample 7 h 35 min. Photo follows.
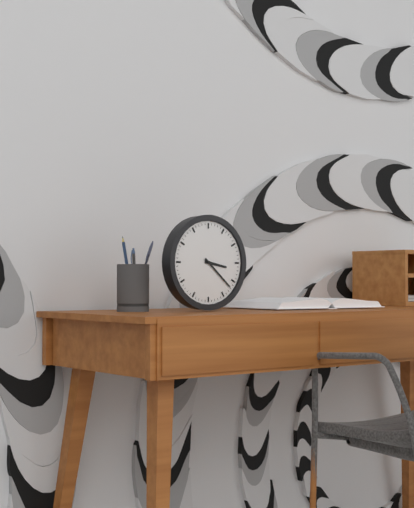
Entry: 3 h 22 min
